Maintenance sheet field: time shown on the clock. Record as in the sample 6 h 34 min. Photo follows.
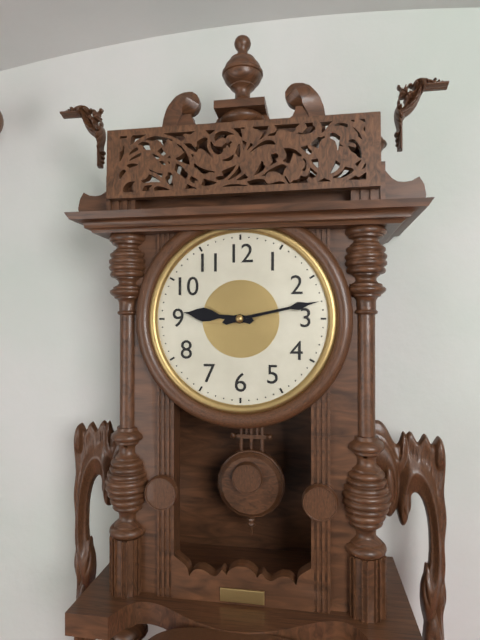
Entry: 9 h 13 min
